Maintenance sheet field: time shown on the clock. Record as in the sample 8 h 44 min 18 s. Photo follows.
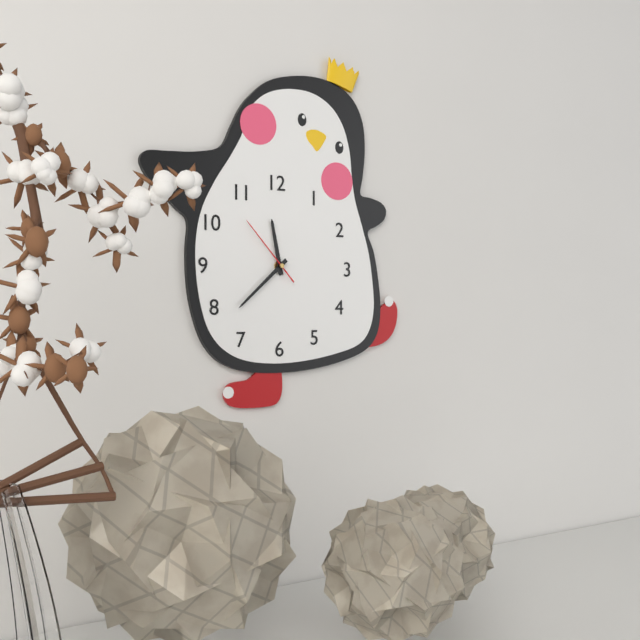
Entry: 11 h 38 min 53 s
